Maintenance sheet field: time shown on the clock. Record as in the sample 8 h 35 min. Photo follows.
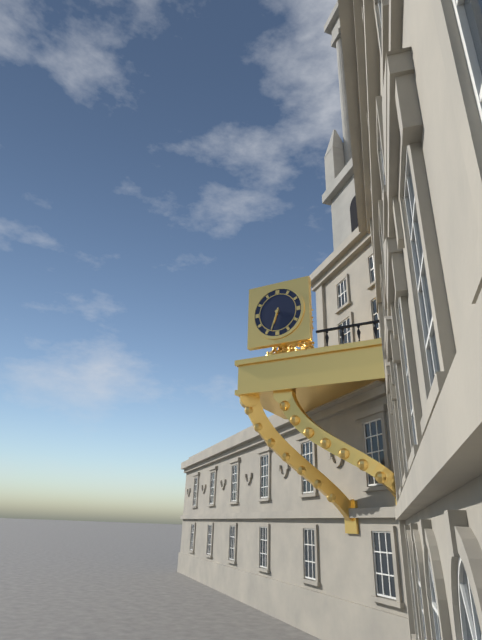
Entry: 6 h 33 min
